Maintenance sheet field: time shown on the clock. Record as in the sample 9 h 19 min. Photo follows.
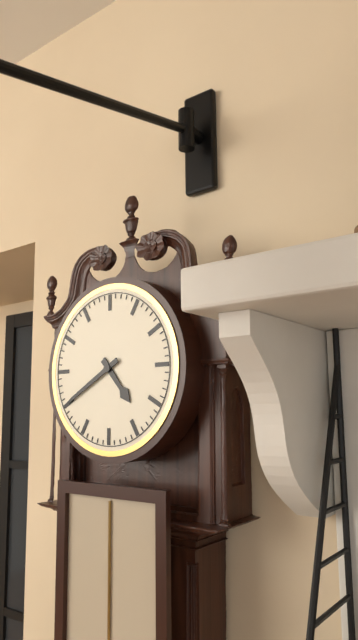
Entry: 4 h 40 min
